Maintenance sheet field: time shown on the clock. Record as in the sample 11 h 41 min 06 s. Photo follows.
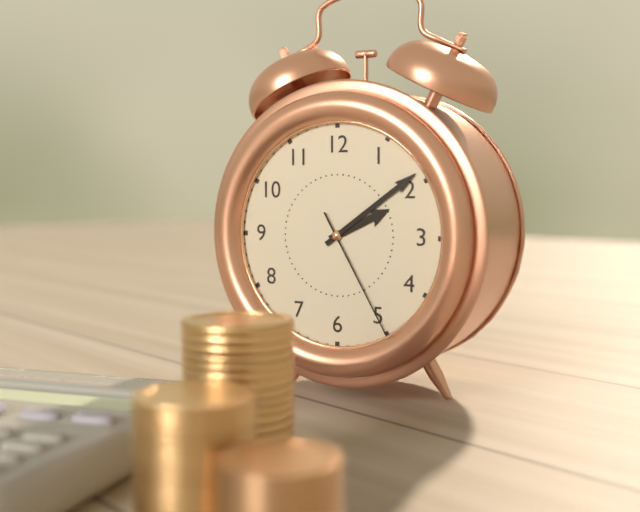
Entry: 2 h 09 min 25 s
